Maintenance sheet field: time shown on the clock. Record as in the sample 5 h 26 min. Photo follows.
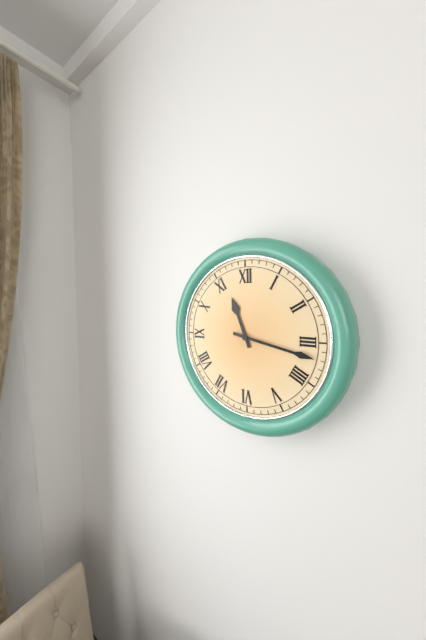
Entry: 11 h 17 min
